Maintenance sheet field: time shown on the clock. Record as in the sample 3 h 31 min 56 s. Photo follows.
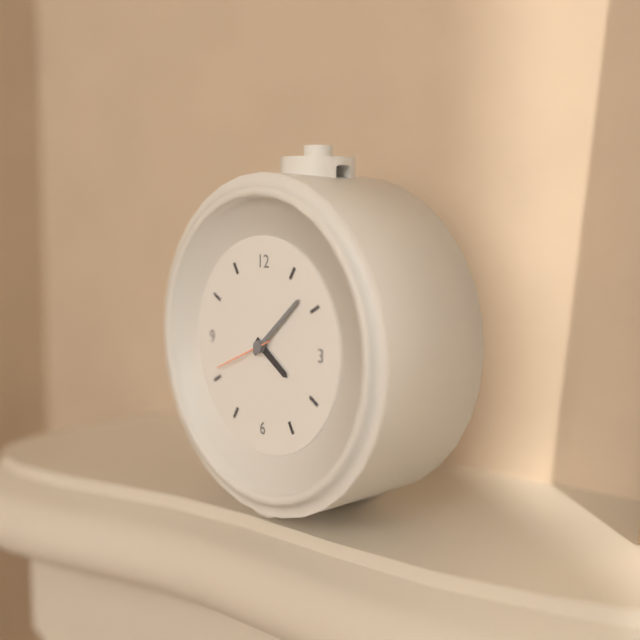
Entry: 4 h 08 min 41 s
